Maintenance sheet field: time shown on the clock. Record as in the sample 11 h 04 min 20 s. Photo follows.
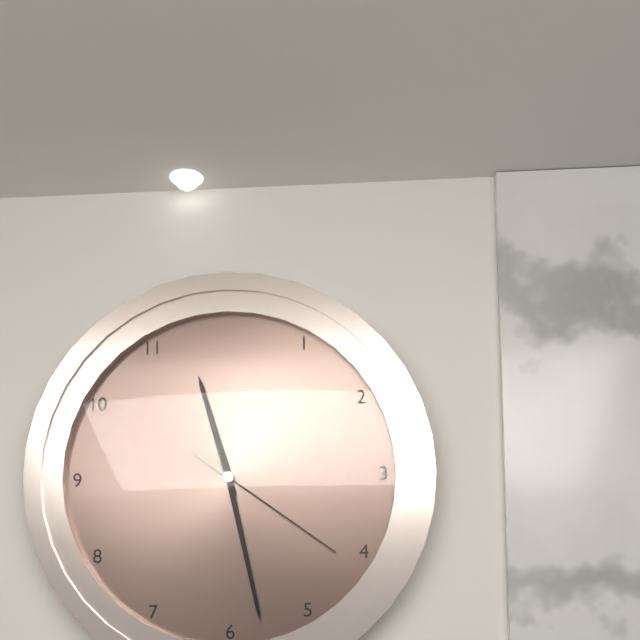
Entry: 11 h 28 min 21 s
